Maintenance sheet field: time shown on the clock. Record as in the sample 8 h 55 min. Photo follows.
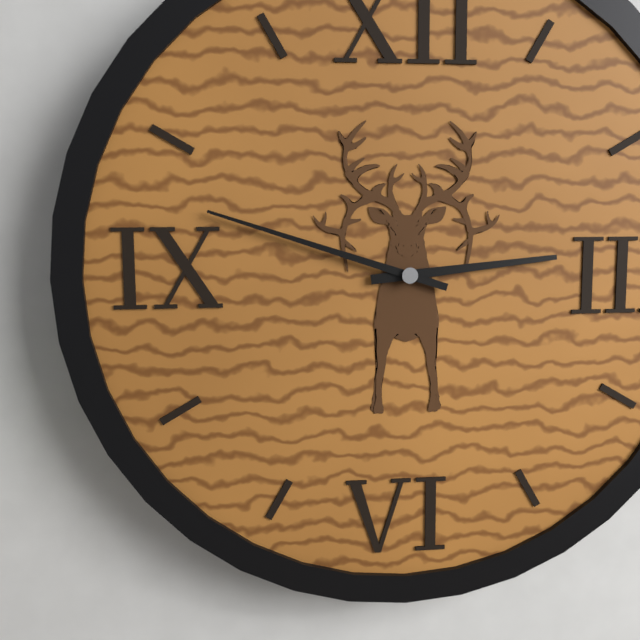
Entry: 2 h 48 min
